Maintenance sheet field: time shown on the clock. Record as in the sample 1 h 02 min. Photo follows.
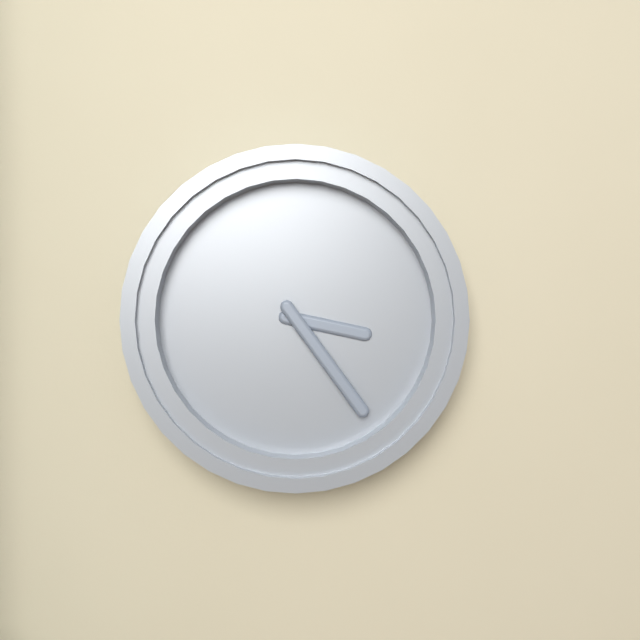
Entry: 3 h 24 min
